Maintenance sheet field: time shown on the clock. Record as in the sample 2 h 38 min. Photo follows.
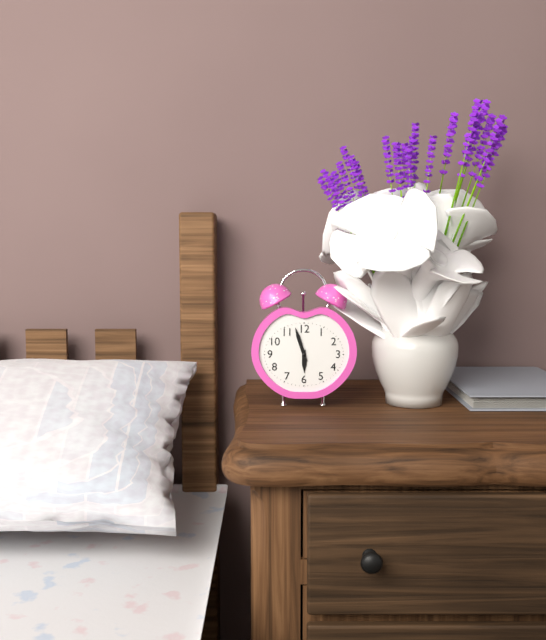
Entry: 5 h 57 min
